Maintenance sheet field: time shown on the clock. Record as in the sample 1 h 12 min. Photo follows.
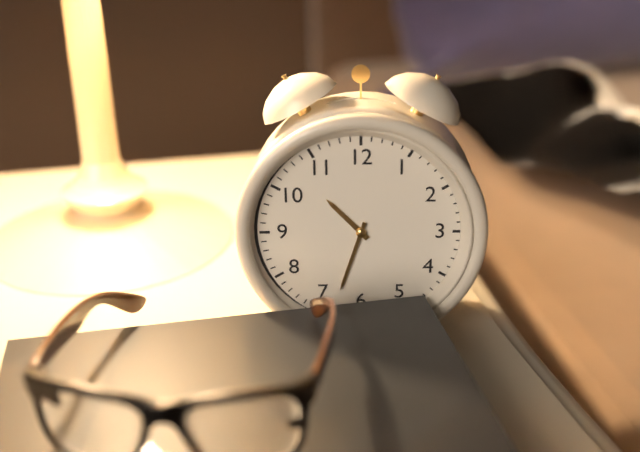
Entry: 10 h 33 min
